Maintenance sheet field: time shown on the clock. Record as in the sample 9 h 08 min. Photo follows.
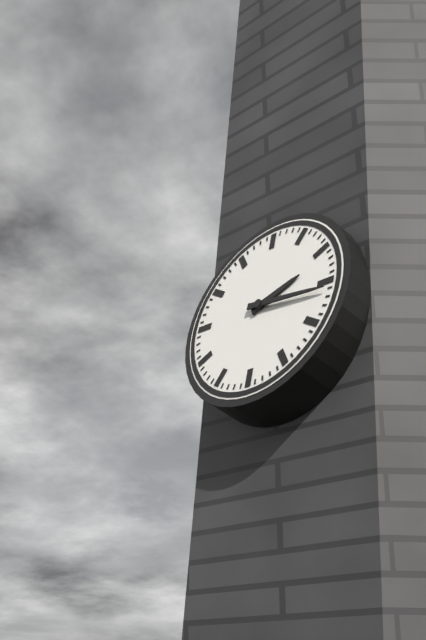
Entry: 2 h 16 min
